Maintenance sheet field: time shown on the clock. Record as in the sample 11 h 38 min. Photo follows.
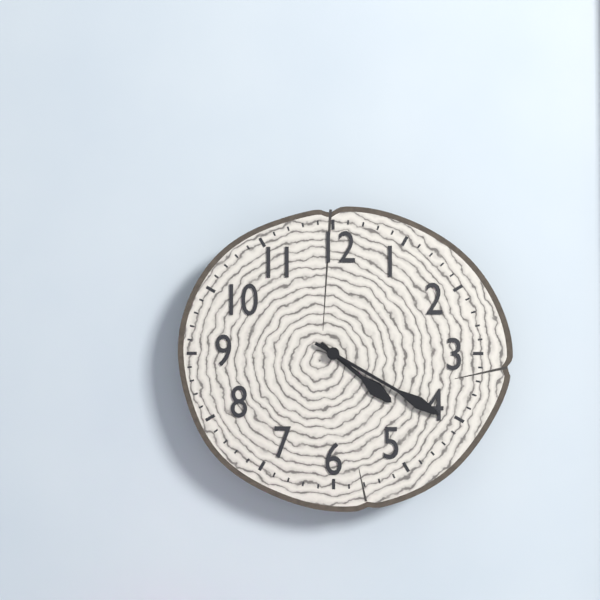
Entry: 4 h 20 min
